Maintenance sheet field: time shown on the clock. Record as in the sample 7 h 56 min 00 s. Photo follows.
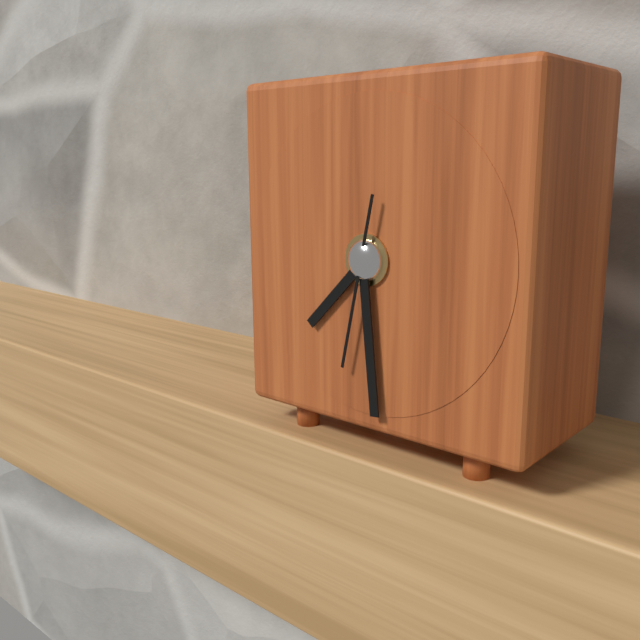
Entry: 7 h 29 min 32 s
